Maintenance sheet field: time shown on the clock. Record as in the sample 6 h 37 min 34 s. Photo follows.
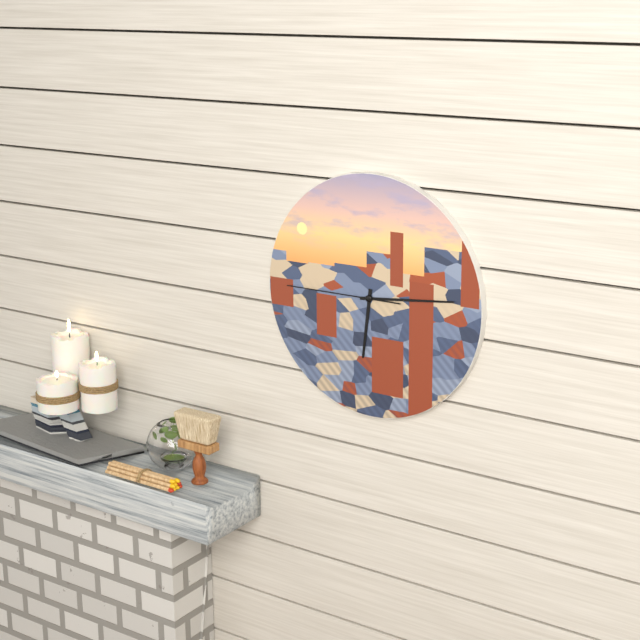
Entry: 6 h 14 min 45 s
